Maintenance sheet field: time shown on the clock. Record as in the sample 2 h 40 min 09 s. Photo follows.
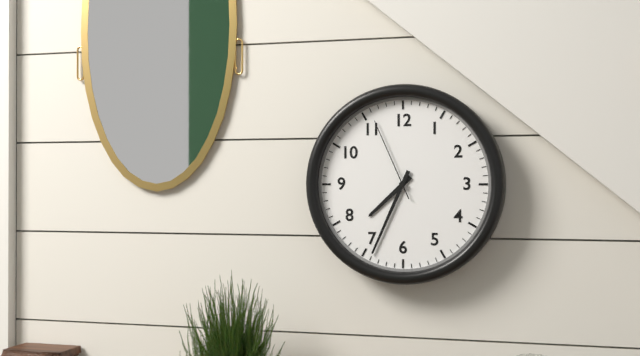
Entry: 7 h 34 min 56 s
